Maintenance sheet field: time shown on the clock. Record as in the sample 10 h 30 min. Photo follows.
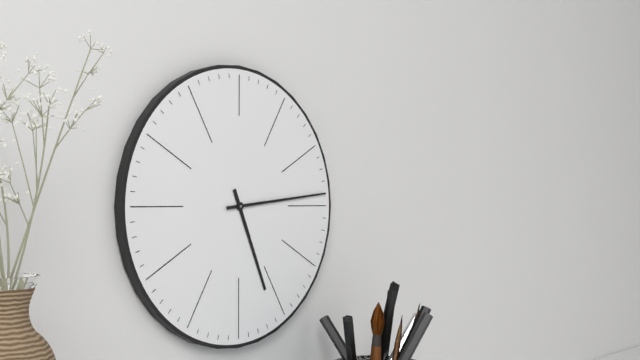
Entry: 5 h 14 min
